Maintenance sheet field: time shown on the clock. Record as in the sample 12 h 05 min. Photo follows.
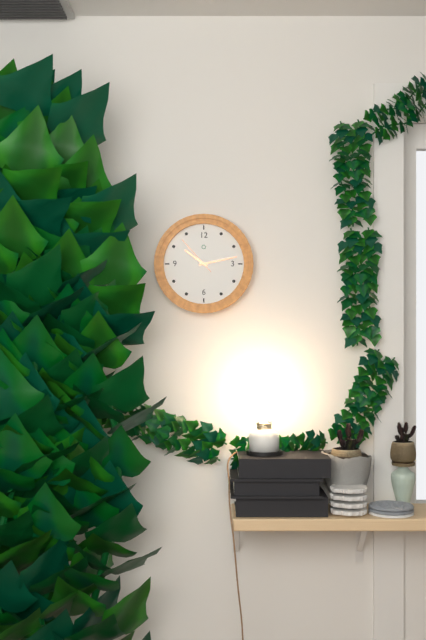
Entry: 10 h 13 min
